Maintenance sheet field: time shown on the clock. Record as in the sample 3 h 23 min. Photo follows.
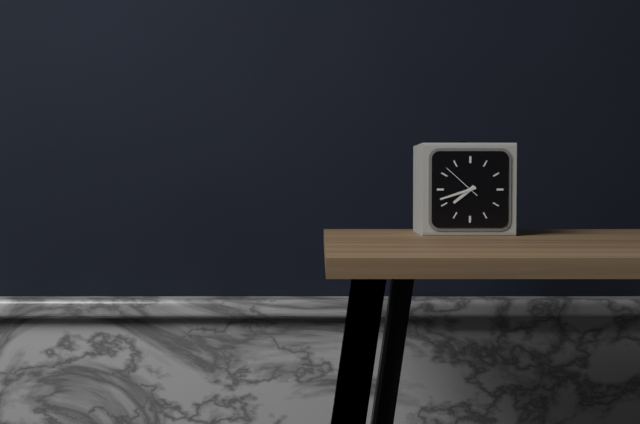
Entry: 7 h 42 min
